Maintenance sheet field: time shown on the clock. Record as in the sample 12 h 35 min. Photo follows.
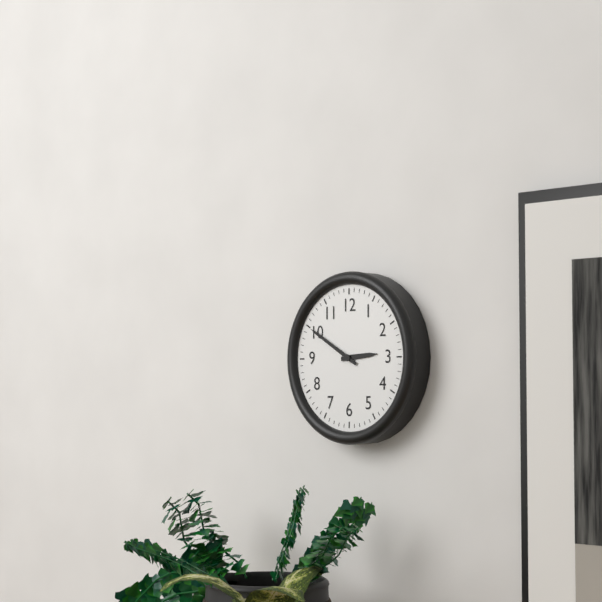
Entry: 2 h 50 min
